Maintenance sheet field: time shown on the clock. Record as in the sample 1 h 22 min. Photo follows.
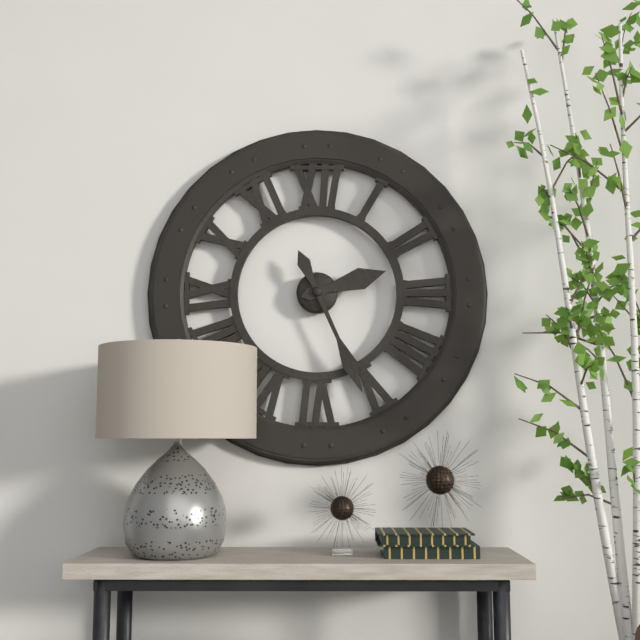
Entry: 2 h 26 min
